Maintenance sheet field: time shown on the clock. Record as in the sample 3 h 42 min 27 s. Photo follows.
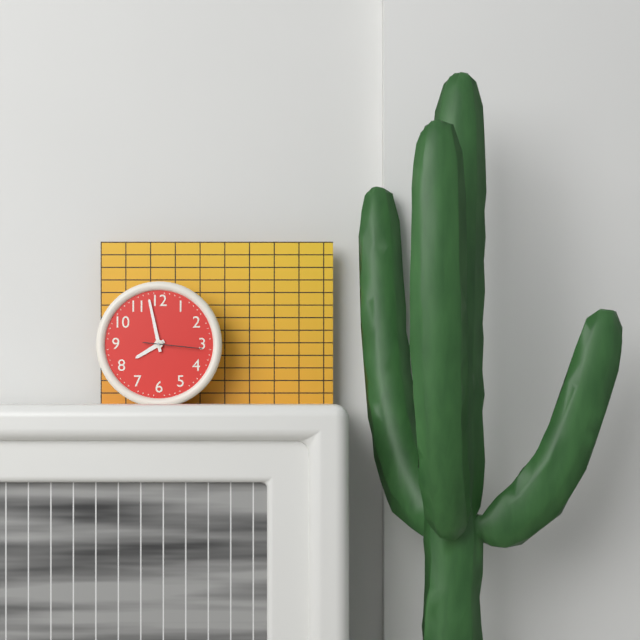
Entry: 7 h 58 min 16 s
